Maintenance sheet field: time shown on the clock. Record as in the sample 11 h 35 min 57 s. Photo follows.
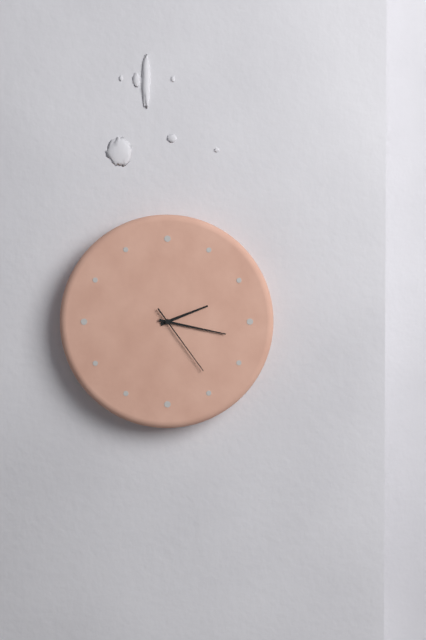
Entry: 2 h 17 min 24 s
